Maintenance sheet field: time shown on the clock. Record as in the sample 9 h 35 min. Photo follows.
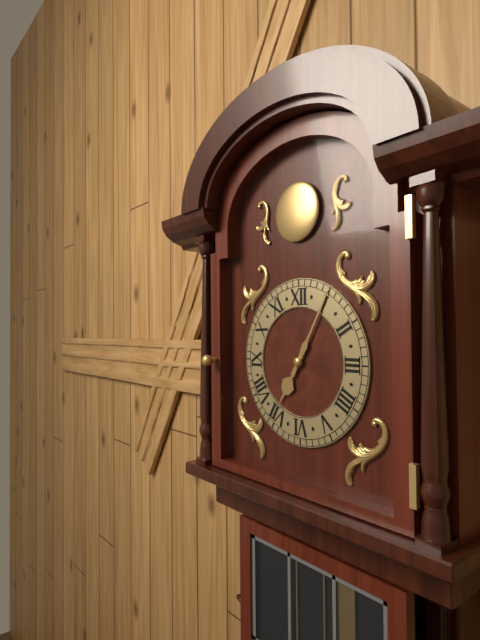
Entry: 7 h 05 min
